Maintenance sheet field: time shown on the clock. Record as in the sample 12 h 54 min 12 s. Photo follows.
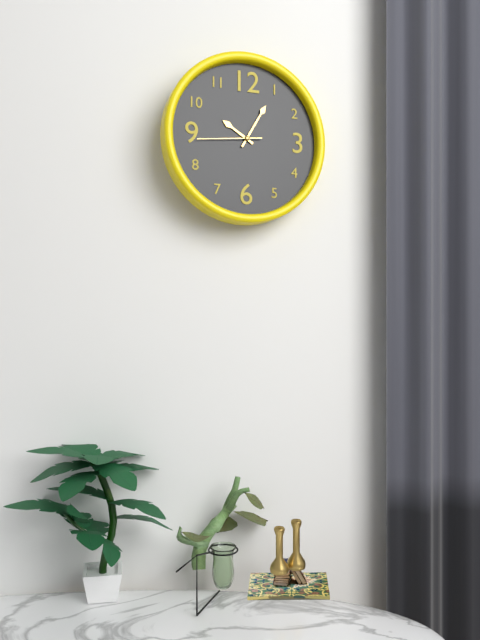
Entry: 10 h 05 min 44 s
